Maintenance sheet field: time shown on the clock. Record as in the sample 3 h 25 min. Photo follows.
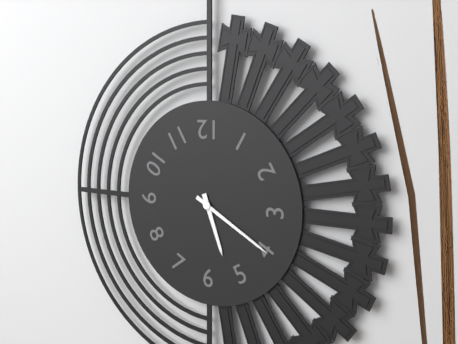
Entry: 5 h 20 min
